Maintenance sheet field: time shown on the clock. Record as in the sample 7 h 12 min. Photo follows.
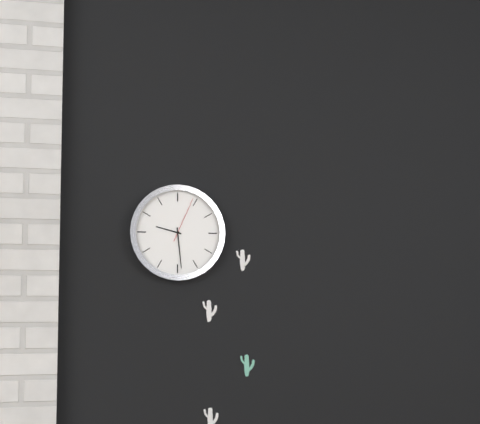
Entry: 9 h 29 min
